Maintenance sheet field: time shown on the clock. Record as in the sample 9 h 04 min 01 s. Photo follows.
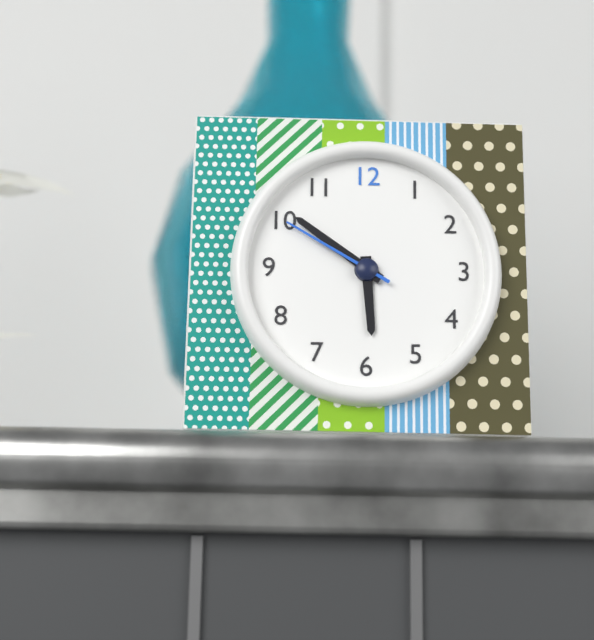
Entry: 5 h 51 min 50 s
